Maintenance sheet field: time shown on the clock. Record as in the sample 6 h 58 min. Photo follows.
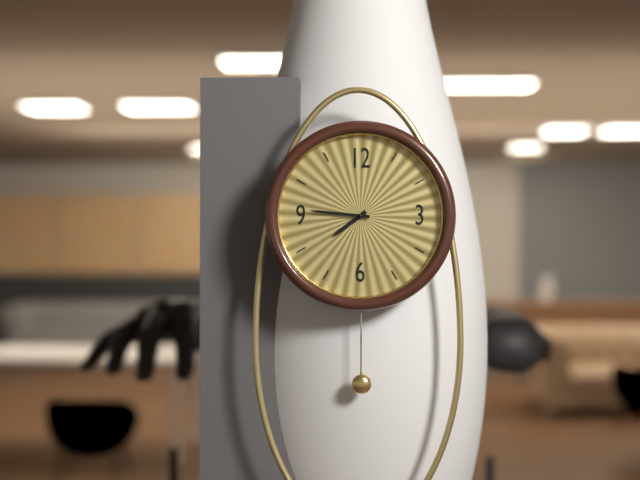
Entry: 7 h 46 min
